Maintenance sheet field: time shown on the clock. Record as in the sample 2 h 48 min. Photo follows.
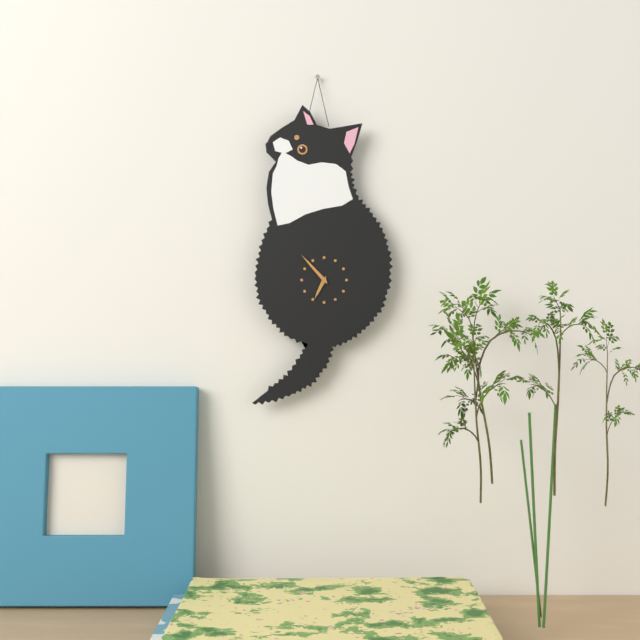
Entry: 6 h 53 min
